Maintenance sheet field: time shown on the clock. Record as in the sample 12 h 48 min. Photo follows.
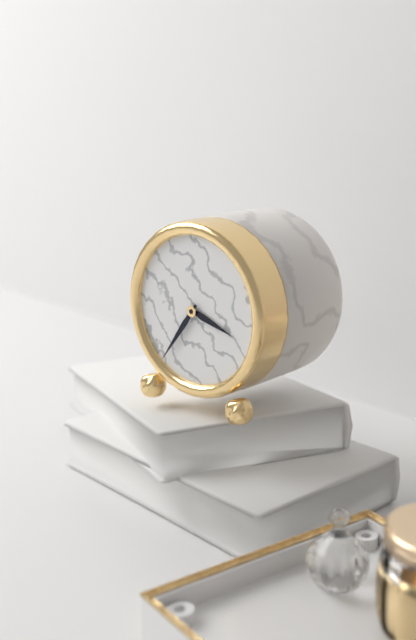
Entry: 3 h 36 min
